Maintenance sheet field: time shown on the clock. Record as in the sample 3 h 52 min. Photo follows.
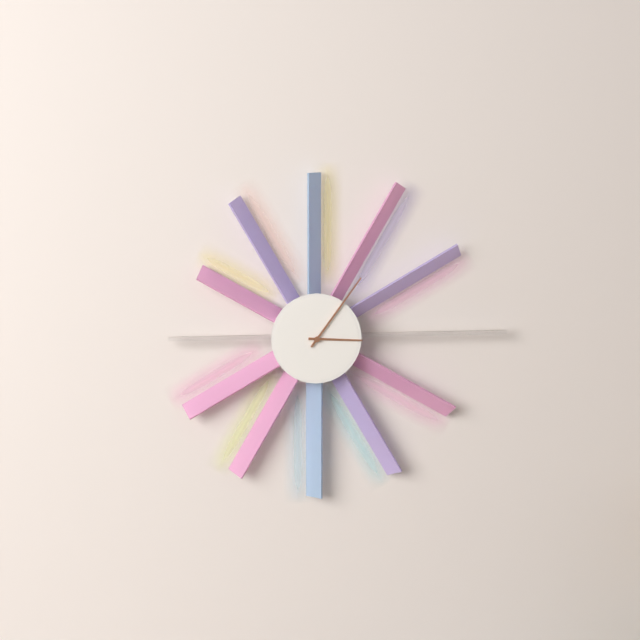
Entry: 3 h 06 min
